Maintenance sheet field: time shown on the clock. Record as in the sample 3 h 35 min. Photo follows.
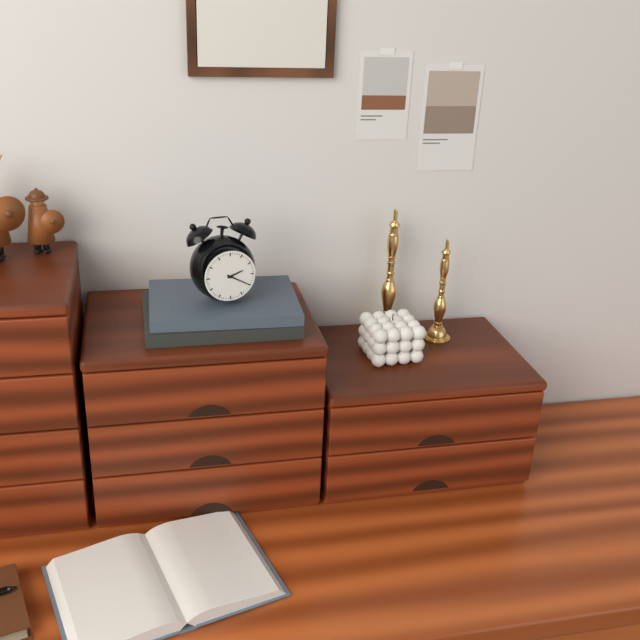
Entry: 2 h 20 min
